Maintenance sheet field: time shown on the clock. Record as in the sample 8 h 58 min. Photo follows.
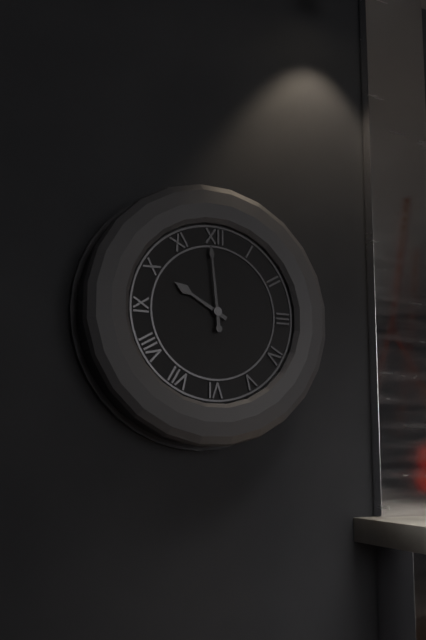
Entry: 9 h 59 min
